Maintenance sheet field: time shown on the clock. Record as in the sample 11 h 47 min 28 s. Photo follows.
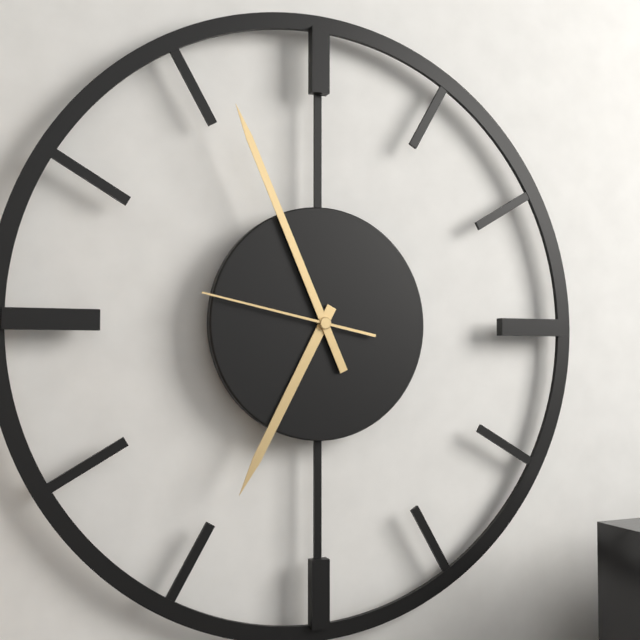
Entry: 6 h 56 min 47 s
